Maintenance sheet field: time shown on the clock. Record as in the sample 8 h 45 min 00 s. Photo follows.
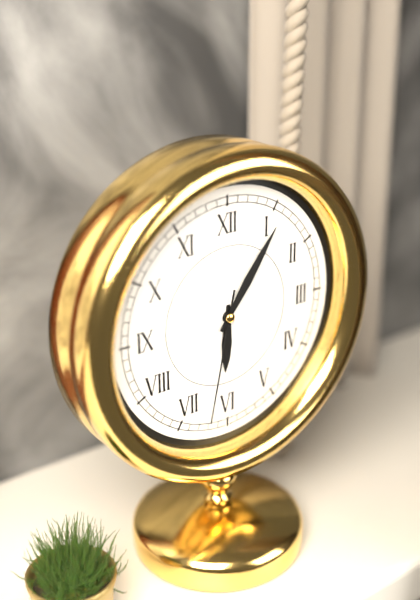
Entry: 6 h 06 min 32 s
